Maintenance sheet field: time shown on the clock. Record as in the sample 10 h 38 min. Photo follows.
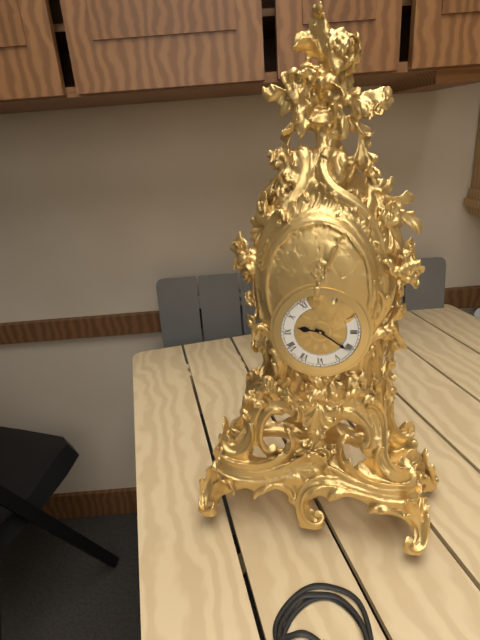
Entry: 9 h 21 min
